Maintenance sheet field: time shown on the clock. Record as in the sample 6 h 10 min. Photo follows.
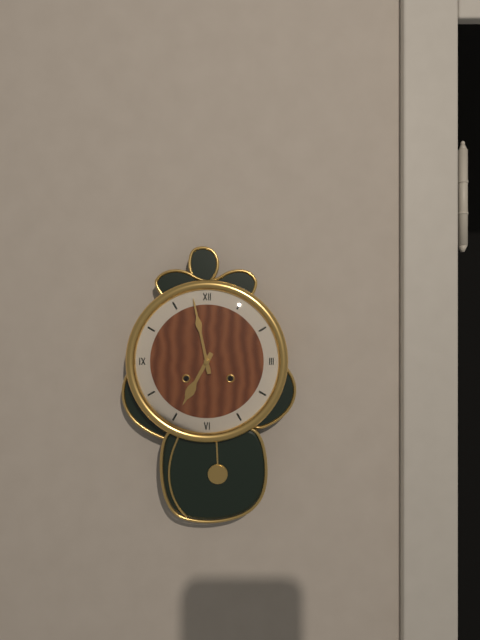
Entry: 6 h 58 min
